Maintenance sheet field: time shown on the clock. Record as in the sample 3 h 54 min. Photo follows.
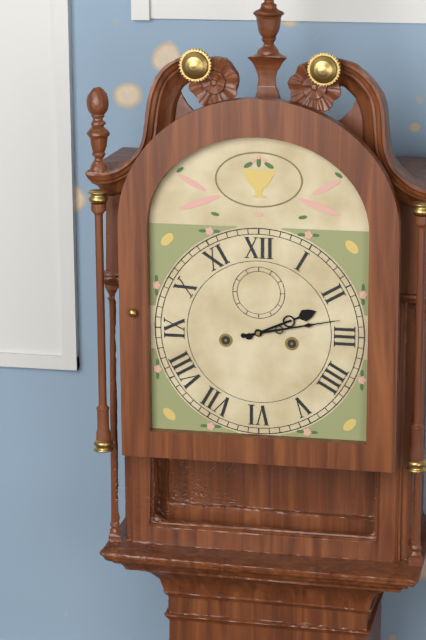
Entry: 2 h 13 min
